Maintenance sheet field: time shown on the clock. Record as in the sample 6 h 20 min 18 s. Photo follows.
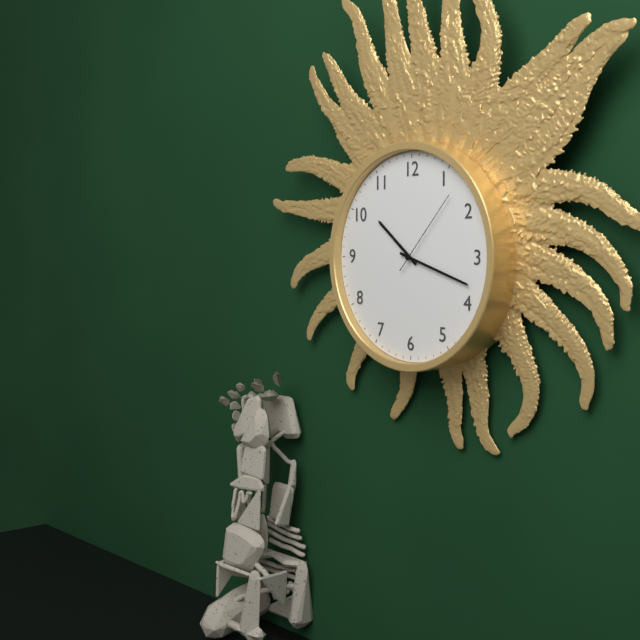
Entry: 10 h 18 min 07 s
